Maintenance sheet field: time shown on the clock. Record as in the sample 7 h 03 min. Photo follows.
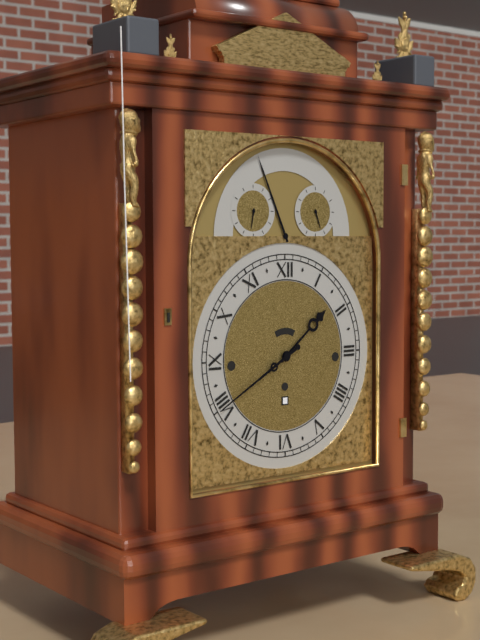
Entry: 1 h 40 min
